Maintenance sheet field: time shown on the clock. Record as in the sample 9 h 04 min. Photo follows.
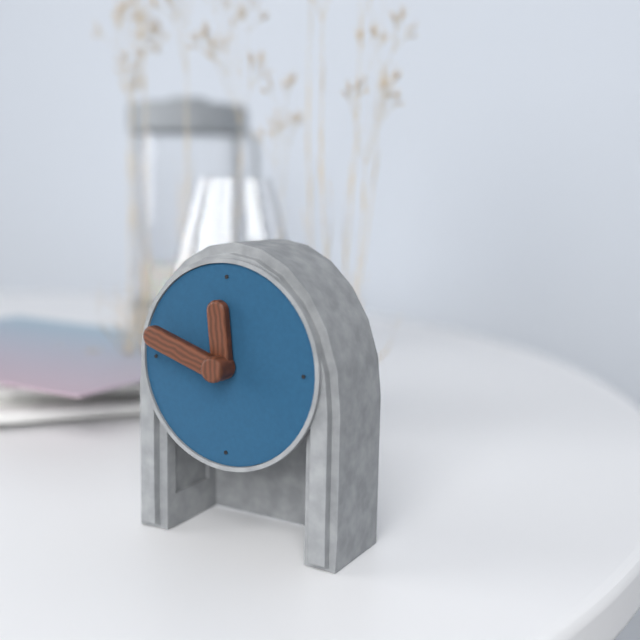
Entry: 11 h 48 min
